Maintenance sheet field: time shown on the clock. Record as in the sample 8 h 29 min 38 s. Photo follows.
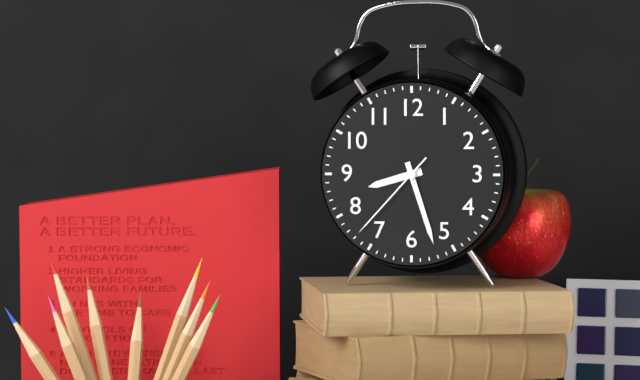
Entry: 8 h 27 min 37 s
